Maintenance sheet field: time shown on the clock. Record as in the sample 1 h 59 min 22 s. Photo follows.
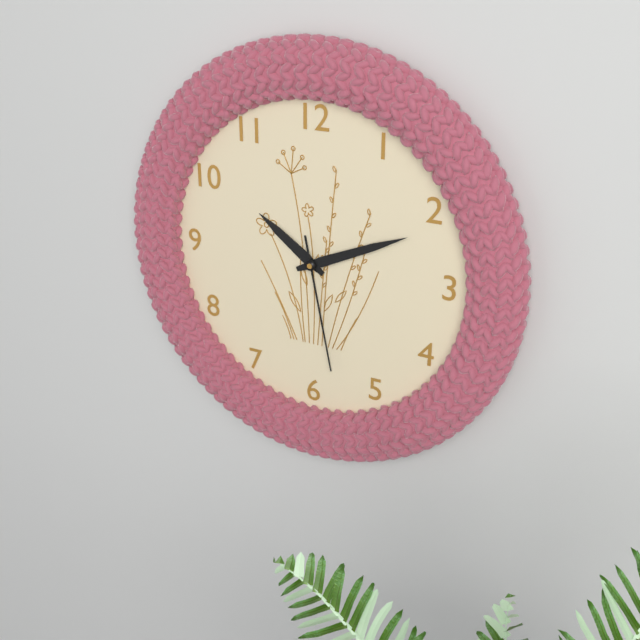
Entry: 10 h 11 min 28 s
